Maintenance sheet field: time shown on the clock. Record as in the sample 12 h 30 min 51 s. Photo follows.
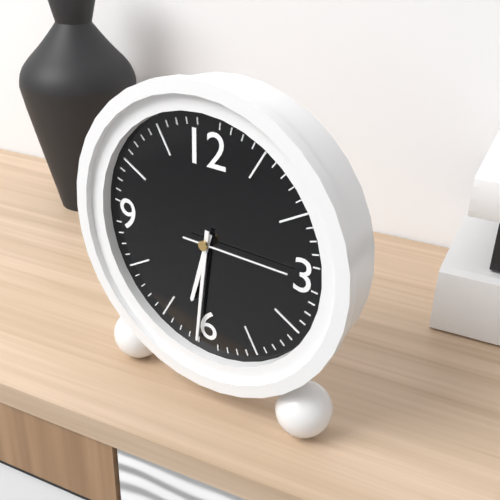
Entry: 6 h 31 min 15 s
